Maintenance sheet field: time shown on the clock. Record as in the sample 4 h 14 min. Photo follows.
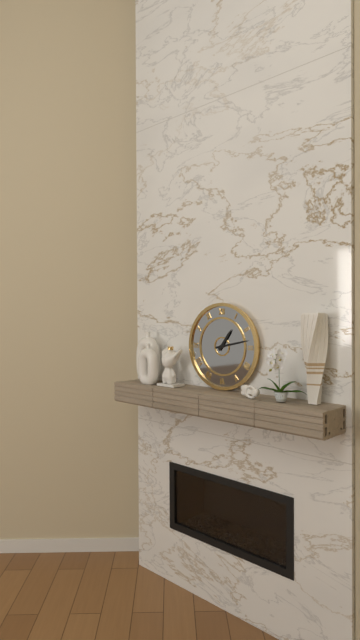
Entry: 1 h 13 min
